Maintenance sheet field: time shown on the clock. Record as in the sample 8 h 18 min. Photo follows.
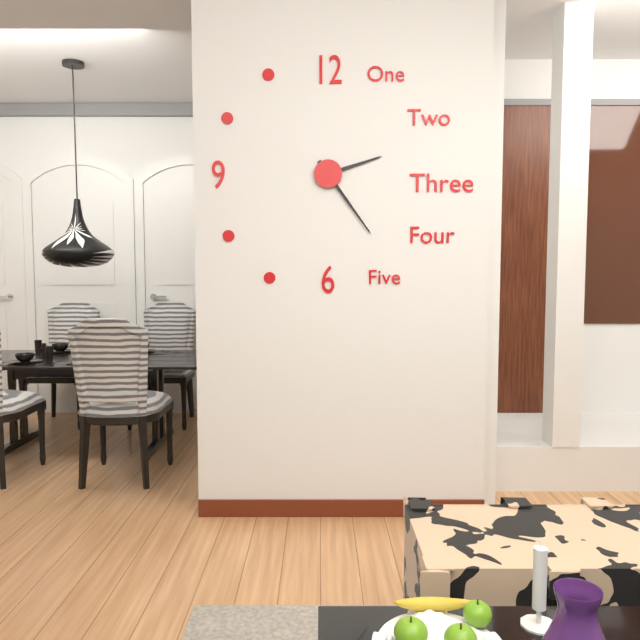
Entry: 2 h 24 min
